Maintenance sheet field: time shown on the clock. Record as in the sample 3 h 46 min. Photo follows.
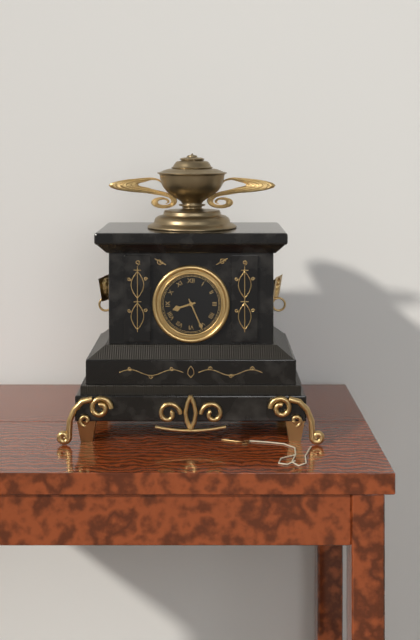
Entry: 8 h 26 min
